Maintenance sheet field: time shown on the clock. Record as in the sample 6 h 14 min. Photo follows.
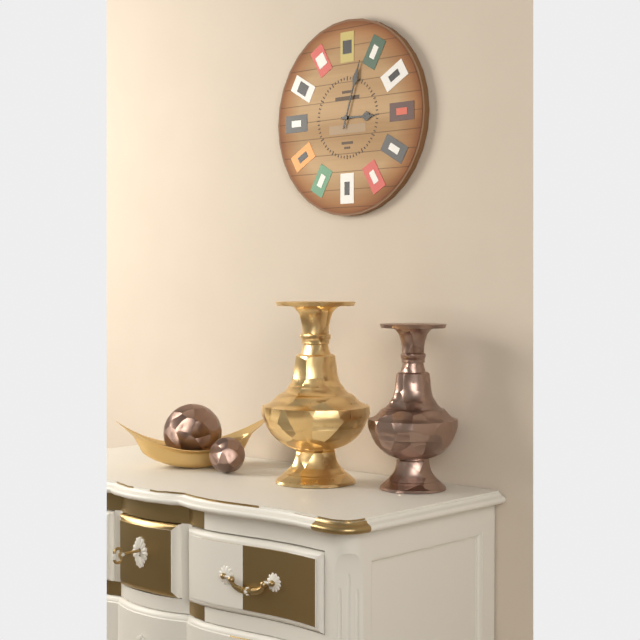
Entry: 3 h 03 min
